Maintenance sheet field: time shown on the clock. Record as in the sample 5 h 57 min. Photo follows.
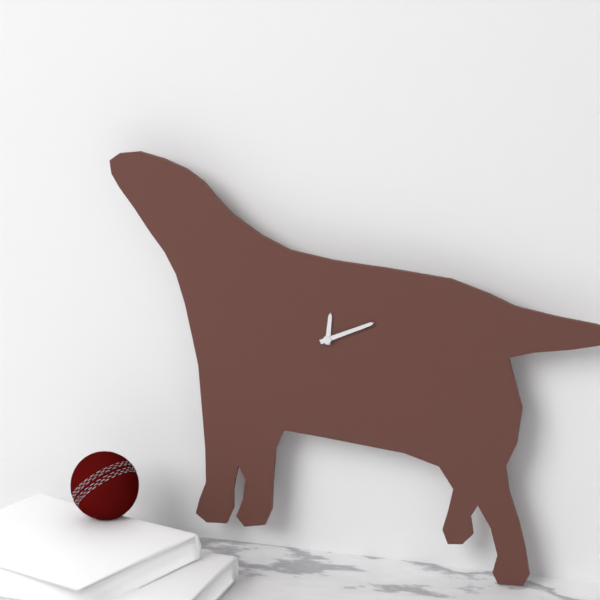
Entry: 12 h 11 min
